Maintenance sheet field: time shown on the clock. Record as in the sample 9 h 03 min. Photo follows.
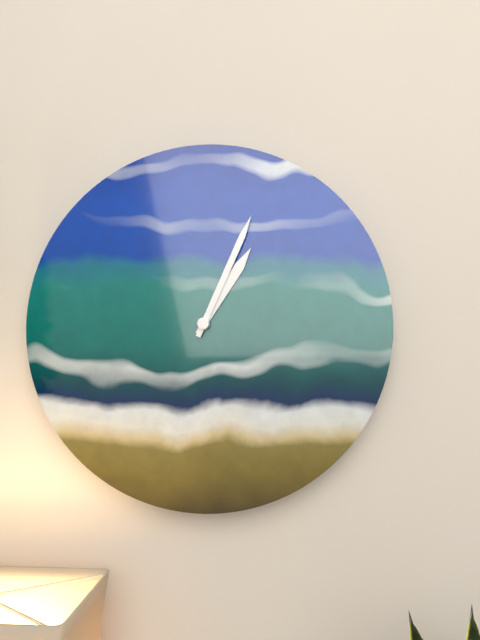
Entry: 1 h 04 min
